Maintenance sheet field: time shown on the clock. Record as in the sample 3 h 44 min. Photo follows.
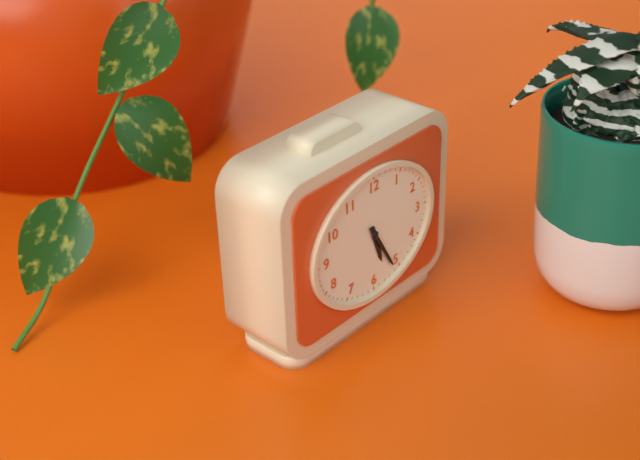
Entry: 5 h 25 min
